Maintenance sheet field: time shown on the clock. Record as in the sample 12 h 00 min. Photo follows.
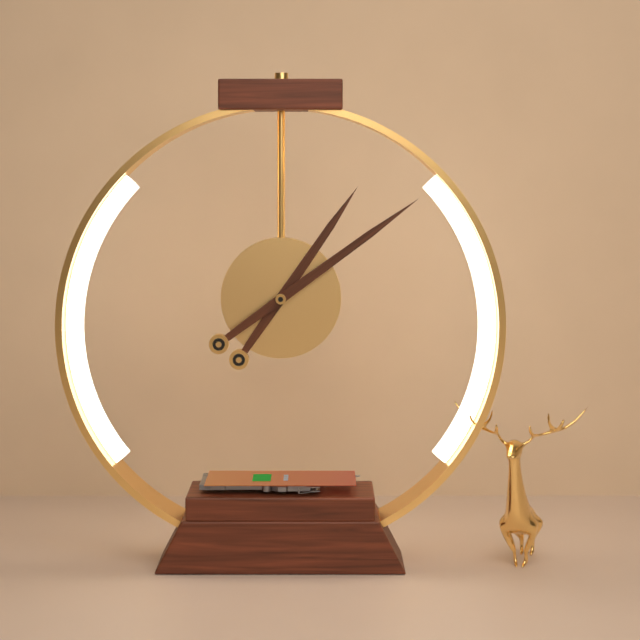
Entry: 1 h 09 min
